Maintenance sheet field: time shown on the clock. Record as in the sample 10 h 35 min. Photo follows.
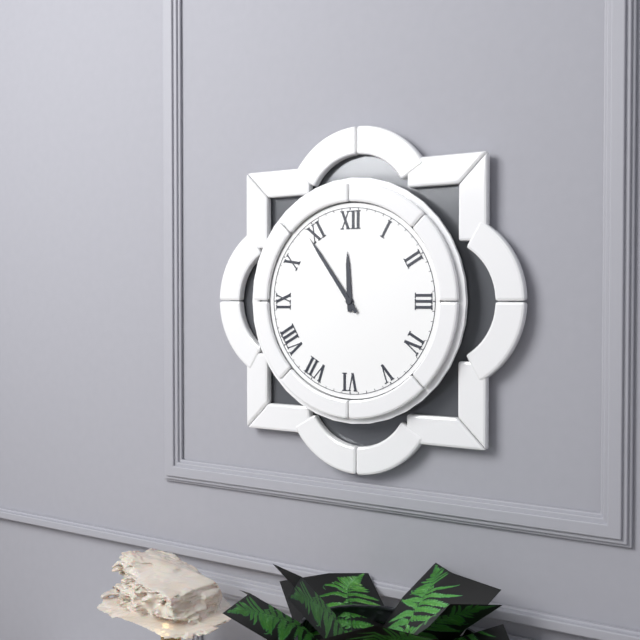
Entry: 11 h 54 min
